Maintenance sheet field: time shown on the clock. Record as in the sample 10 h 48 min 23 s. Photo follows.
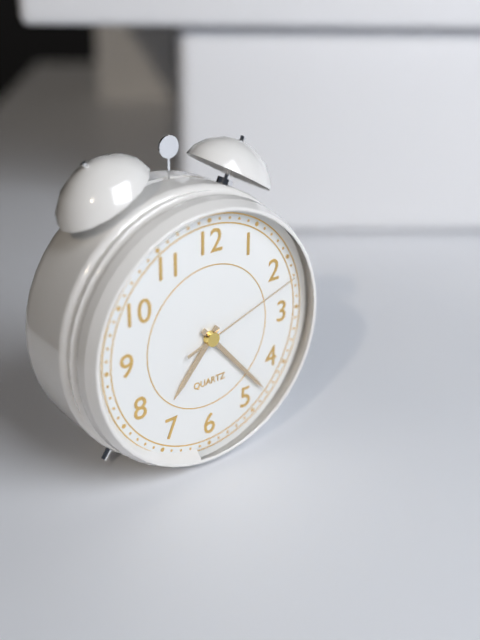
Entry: 7 h 23 min 12 s
